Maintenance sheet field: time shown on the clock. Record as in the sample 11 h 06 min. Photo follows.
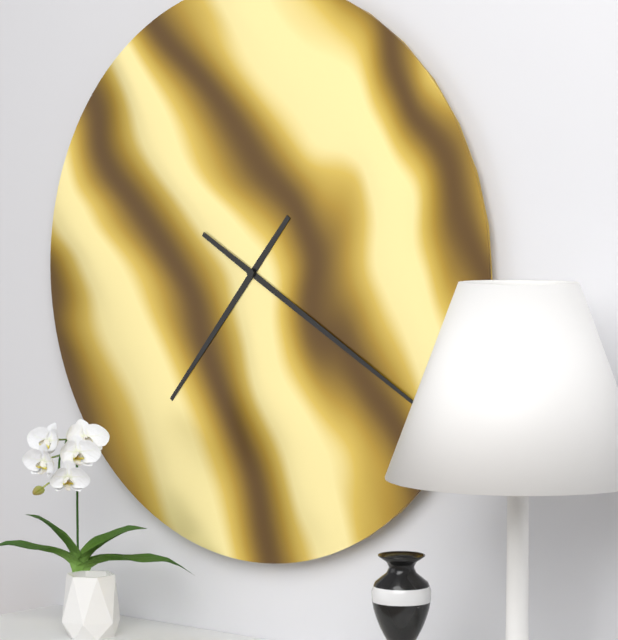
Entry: 7 h 20 min
